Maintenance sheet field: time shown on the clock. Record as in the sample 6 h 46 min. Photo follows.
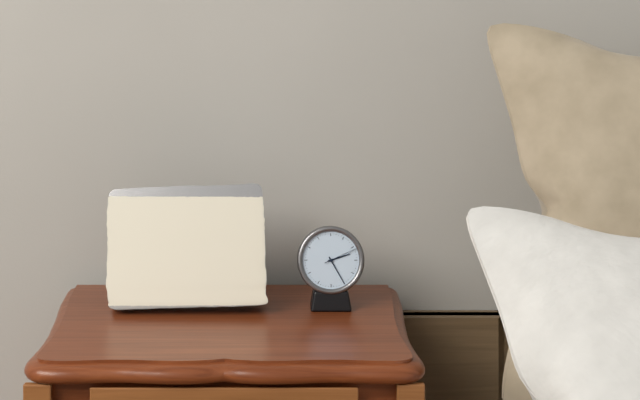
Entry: 2 h 25 min
